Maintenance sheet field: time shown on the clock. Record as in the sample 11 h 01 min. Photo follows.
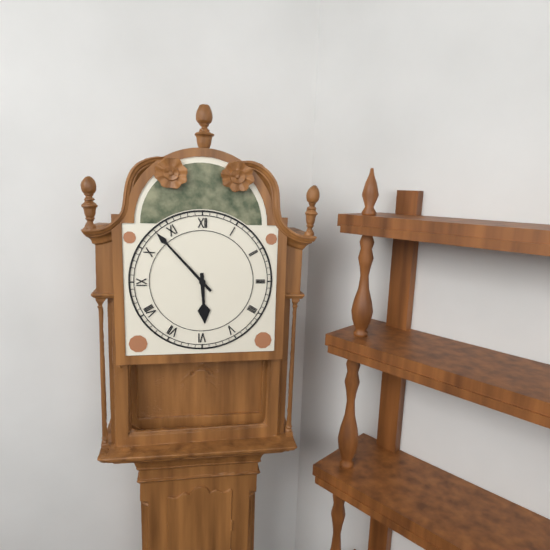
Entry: 5 h 53 min
